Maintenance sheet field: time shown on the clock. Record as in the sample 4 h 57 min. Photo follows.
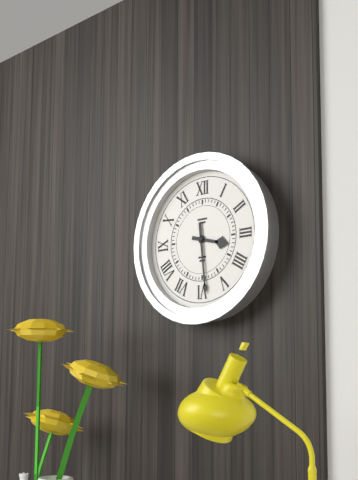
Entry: 3 h 29 min
